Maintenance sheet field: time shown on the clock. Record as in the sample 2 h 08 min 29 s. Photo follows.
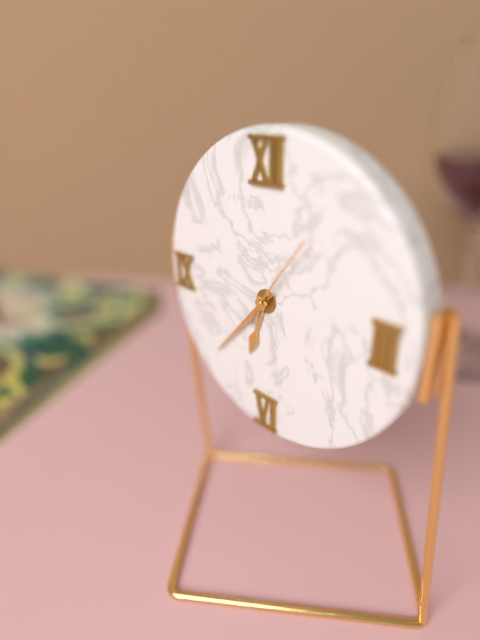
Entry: 6 h 37 min 06 s
